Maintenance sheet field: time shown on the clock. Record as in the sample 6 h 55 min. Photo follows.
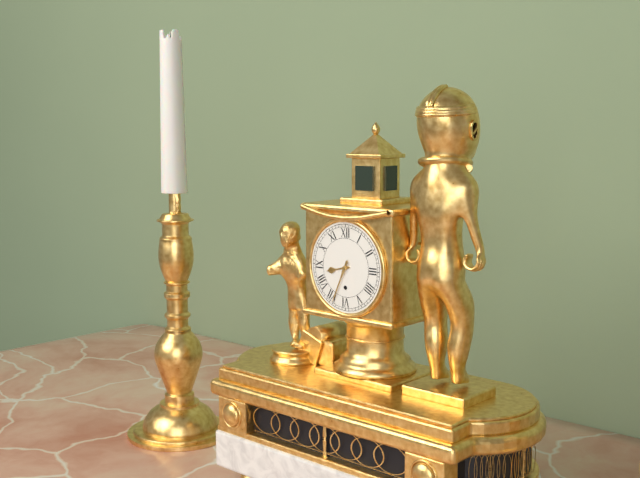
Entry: 8 h 34 min
